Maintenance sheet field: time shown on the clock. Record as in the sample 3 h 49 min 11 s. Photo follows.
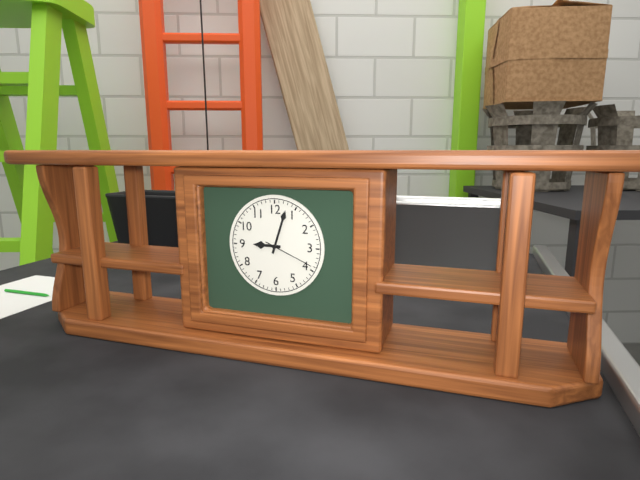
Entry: 9 h 03 min 19 s
